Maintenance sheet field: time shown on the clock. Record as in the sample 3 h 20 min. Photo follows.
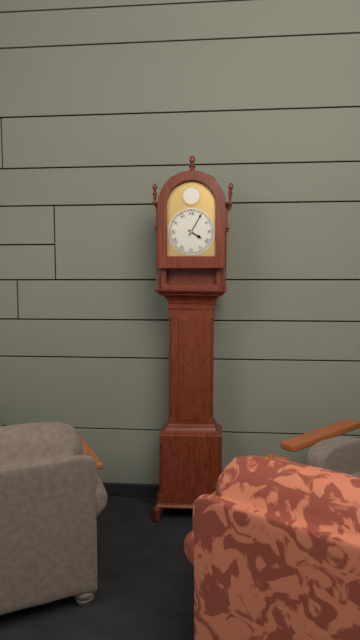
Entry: 4 h 05 min
